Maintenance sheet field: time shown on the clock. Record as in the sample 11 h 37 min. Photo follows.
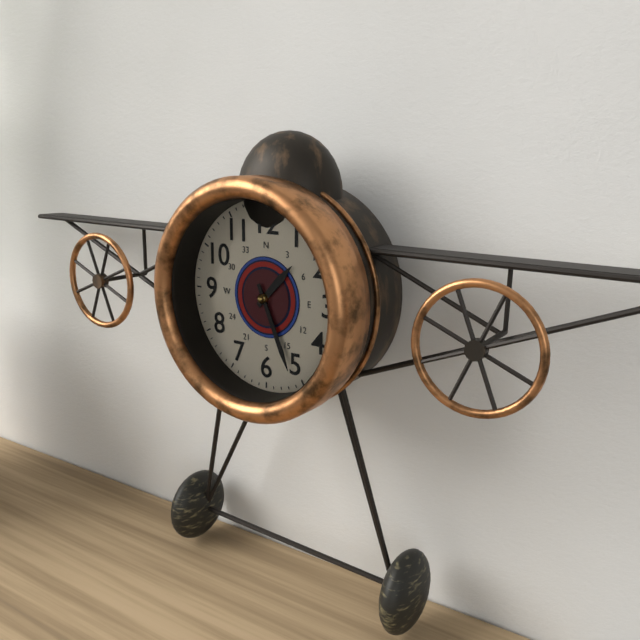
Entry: 1 h 26 min
